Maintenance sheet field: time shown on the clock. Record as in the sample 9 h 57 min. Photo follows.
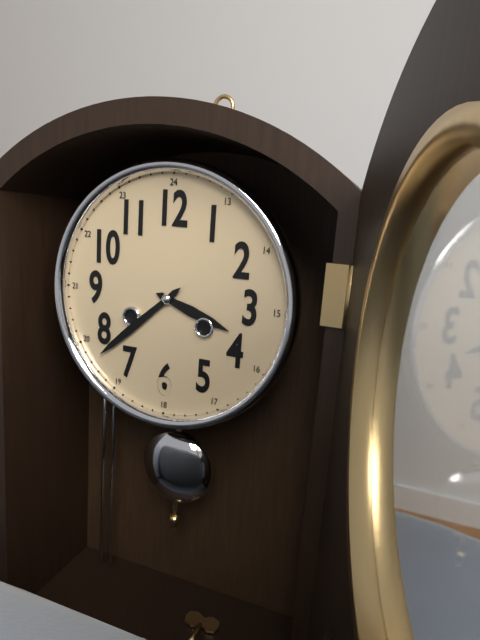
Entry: 3 h 38 min
